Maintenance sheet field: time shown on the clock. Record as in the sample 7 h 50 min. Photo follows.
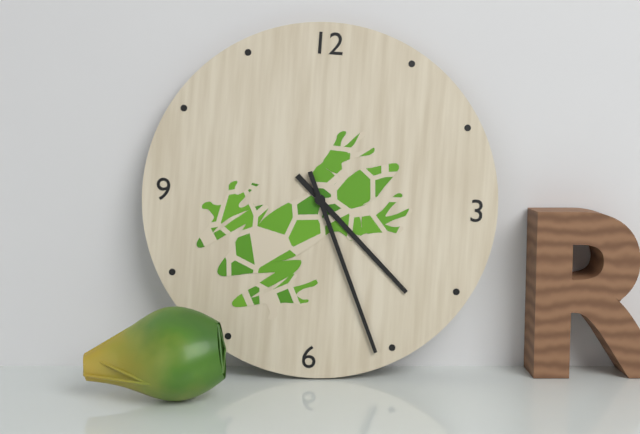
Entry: 4 h 26 min
